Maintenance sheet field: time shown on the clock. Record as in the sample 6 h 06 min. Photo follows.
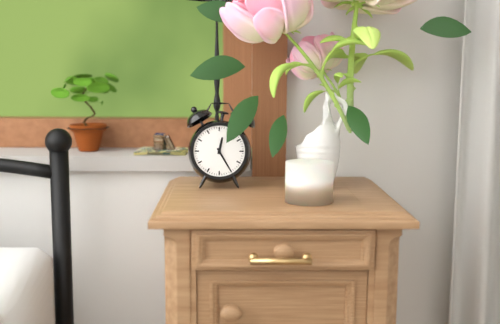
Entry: 12 h 25 min
